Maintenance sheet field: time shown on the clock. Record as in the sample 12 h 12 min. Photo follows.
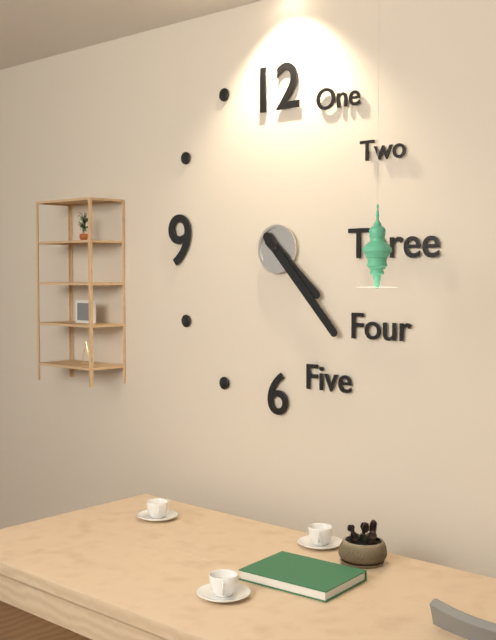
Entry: 4 h 23 min
